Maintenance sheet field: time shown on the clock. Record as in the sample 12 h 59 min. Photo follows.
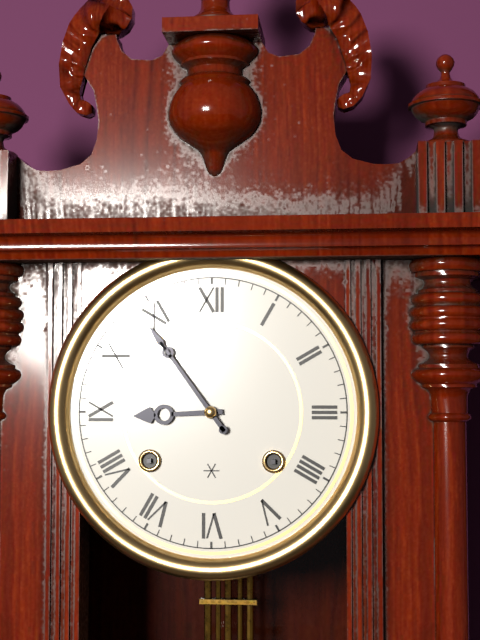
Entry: 8 h 54 min
